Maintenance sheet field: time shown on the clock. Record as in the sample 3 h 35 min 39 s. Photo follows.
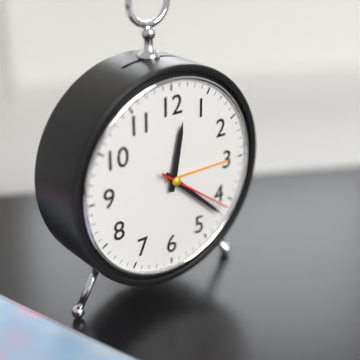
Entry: 12 h 22 min 21 s
